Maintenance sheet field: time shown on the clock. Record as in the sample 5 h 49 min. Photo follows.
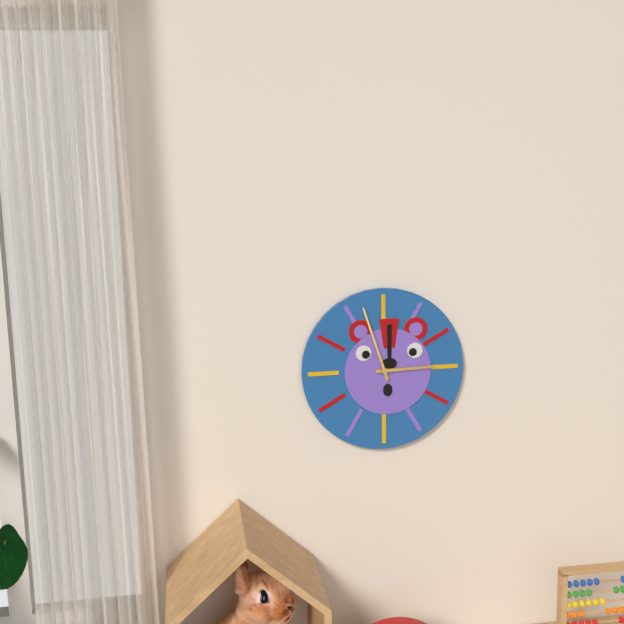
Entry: 2 h 57 min
